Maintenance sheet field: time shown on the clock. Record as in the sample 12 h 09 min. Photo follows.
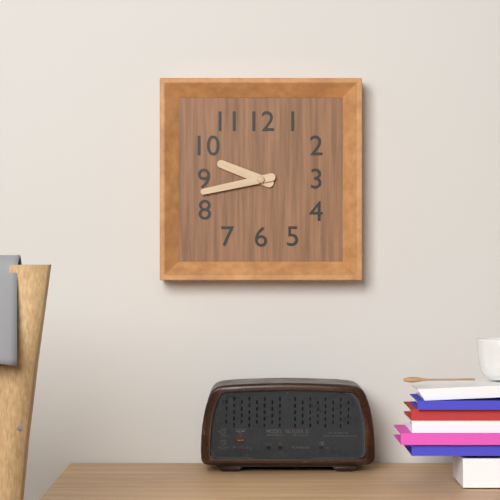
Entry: 9 h 43 min
